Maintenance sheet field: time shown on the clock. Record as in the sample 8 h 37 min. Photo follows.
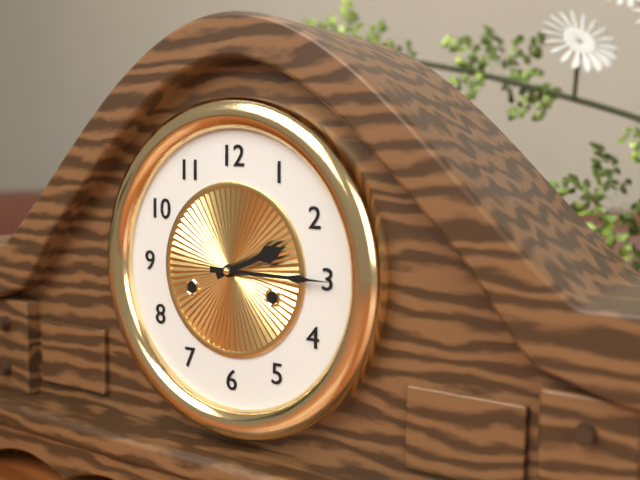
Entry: 2 h 15 min
